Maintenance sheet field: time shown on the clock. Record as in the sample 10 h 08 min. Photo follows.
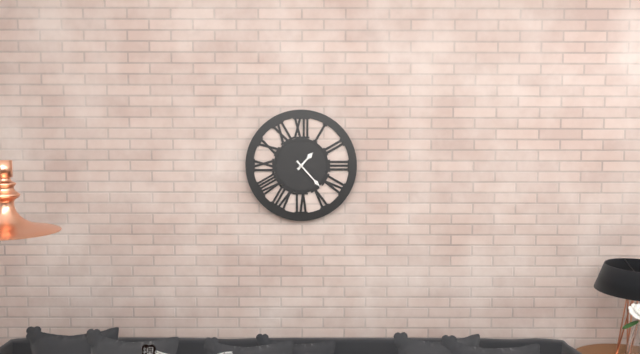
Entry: 1 h 23 min
